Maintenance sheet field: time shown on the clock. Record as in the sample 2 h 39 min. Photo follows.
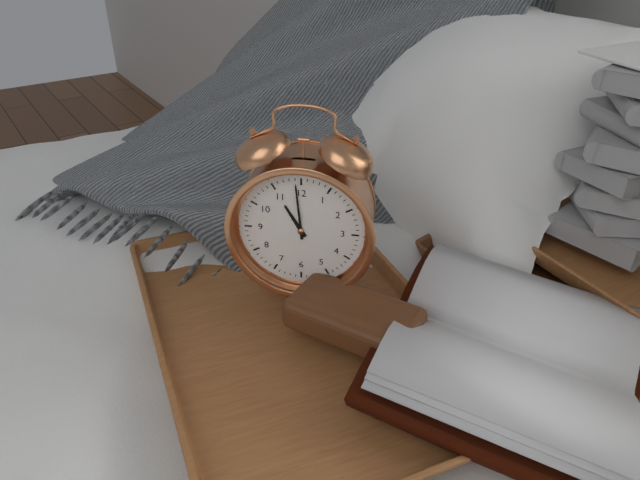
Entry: 10 h 59 min
